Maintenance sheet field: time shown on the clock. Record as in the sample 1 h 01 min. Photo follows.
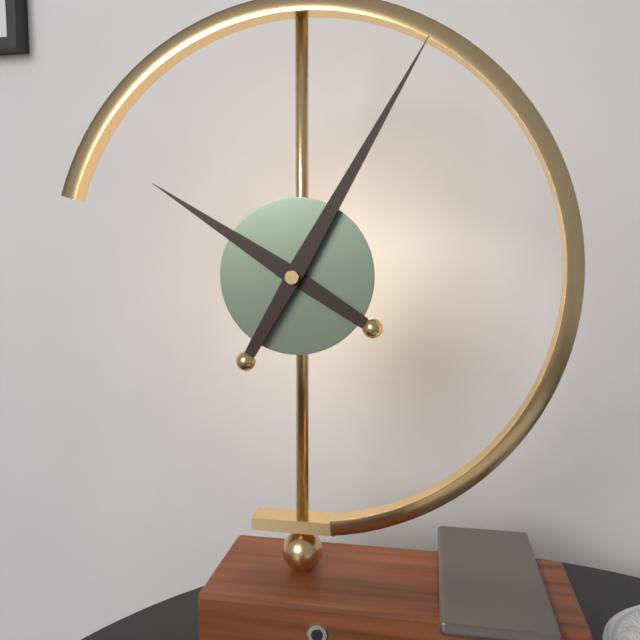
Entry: 10 h 05 min
